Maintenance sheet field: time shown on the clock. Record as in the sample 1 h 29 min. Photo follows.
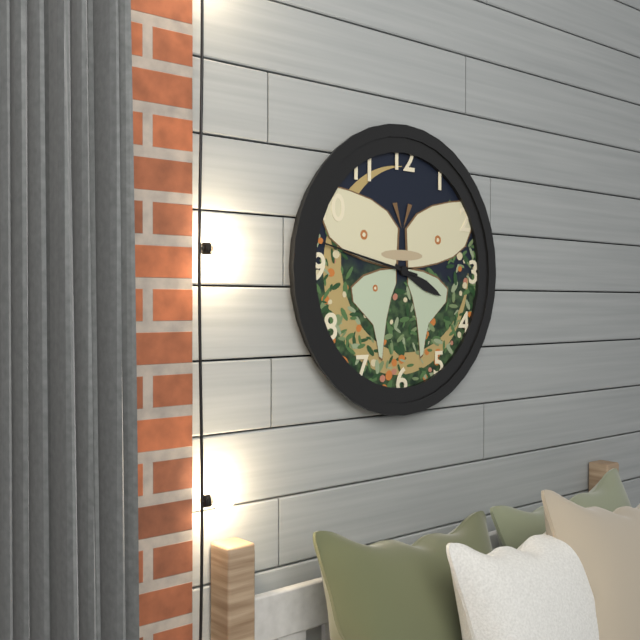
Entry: 3 h 47 min
